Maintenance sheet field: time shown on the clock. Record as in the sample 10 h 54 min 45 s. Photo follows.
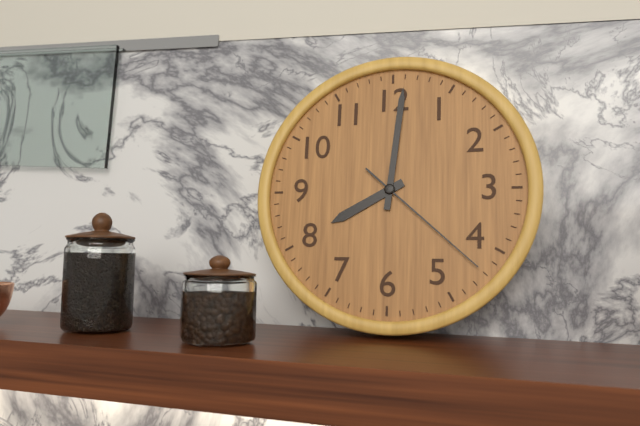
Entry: 8 h 01 min 22 s
